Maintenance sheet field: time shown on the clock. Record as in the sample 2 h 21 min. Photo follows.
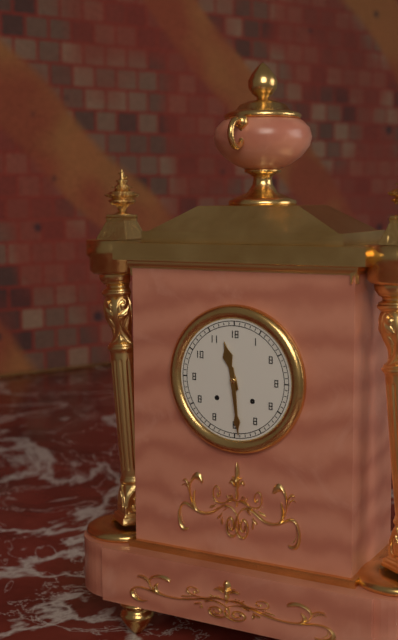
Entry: 11 h 29 min
